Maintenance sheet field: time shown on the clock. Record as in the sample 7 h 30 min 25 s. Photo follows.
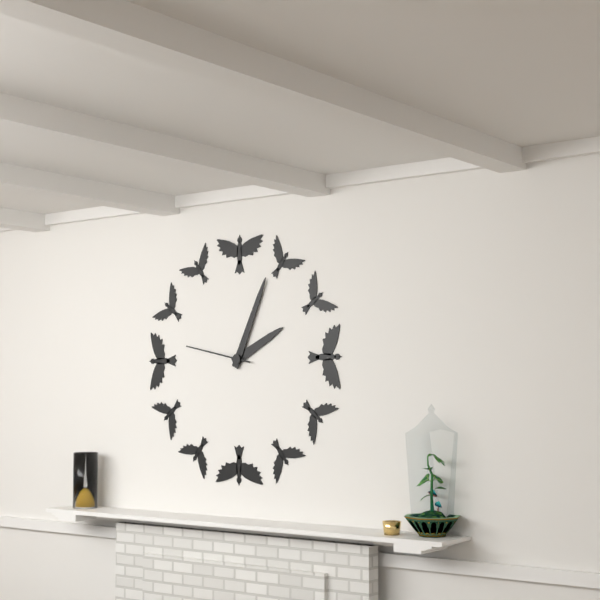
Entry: 2 h 04 min 47 s
